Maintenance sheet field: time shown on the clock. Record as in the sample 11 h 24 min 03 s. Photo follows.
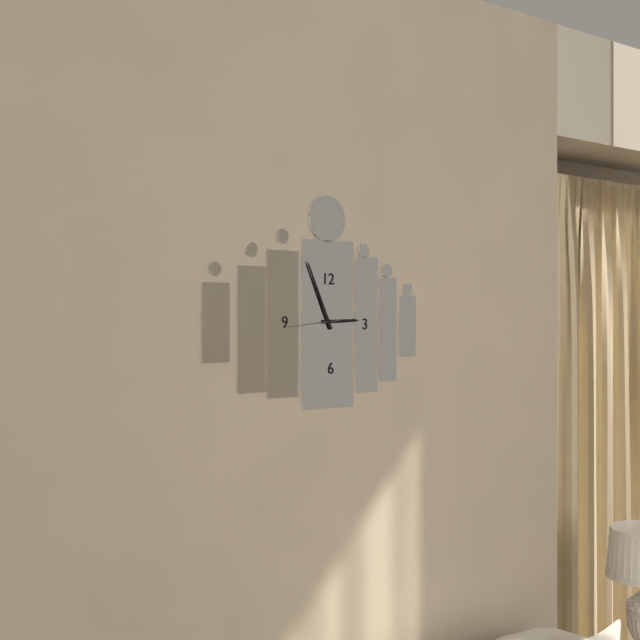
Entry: 2 h 56 min 44 s
